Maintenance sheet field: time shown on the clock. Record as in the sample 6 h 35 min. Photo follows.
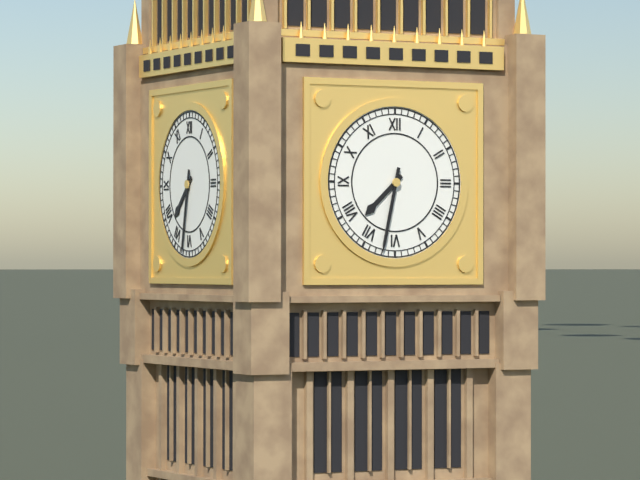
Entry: 7 h 32 min
